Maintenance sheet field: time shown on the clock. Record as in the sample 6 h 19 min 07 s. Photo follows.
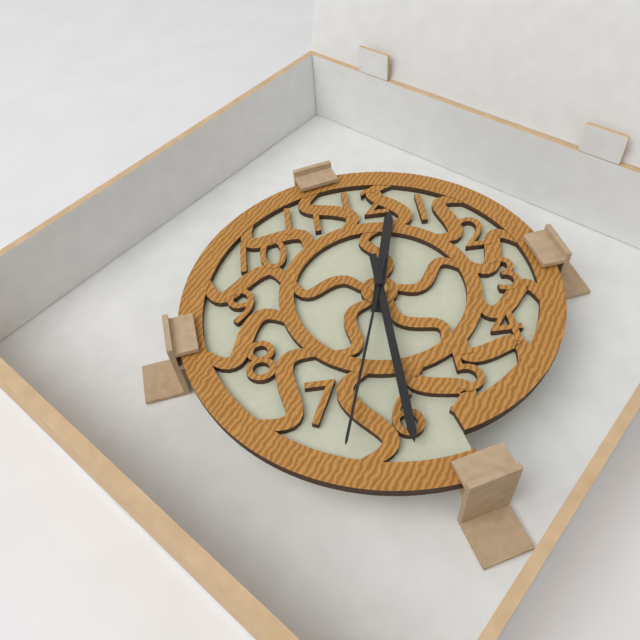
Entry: 12 h 30 min 33 s
